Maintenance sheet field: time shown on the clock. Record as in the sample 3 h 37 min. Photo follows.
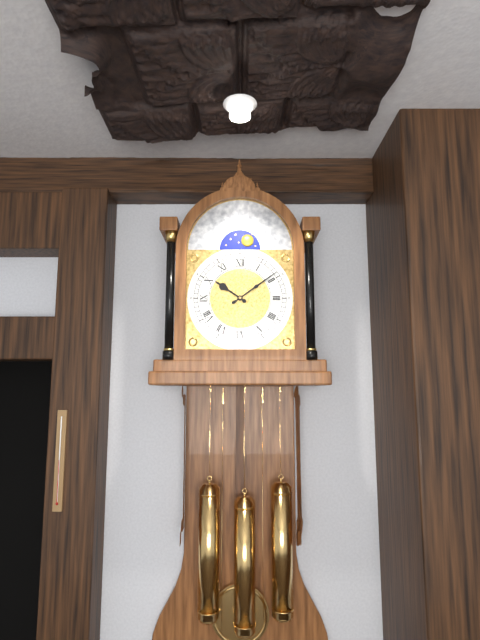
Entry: 10 h 09 min
